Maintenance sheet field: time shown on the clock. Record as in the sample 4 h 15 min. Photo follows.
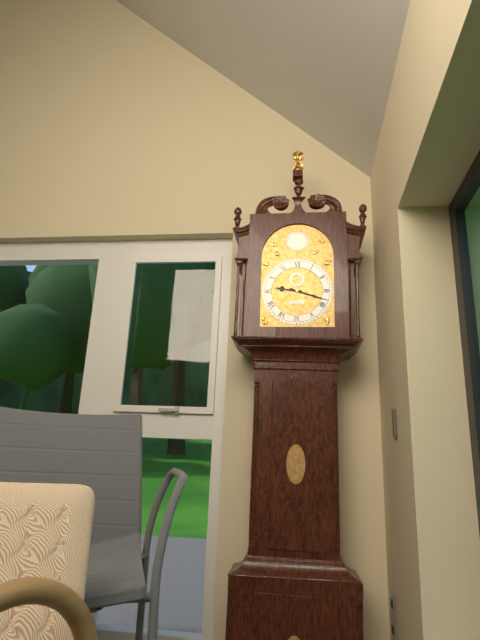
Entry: 9 h 18 min
